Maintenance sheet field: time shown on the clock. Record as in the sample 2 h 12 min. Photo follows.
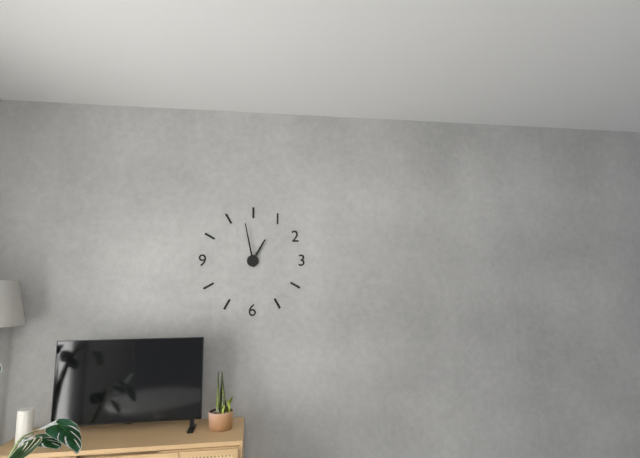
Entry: 12 h 58 min
